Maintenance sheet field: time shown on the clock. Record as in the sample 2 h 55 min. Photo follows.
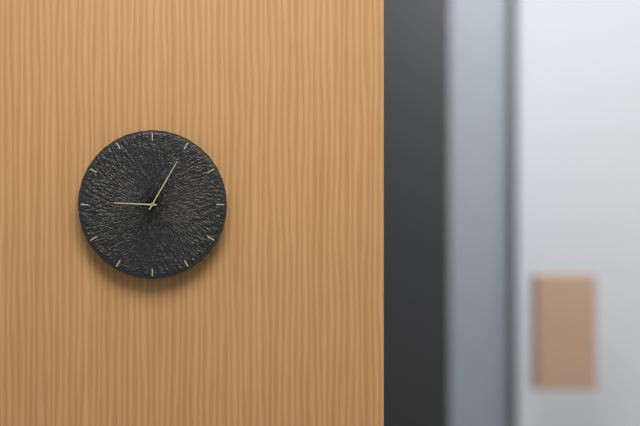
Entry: 9 h 05 min
